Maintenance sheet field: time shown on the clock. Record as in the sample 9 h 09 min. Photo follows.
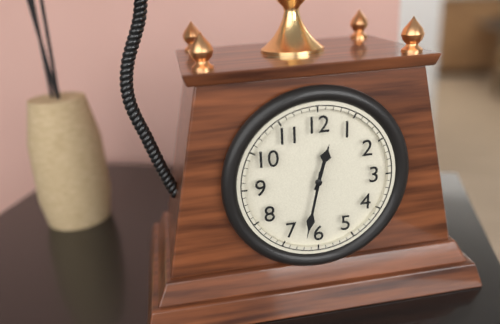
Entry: 12 h 32 min
